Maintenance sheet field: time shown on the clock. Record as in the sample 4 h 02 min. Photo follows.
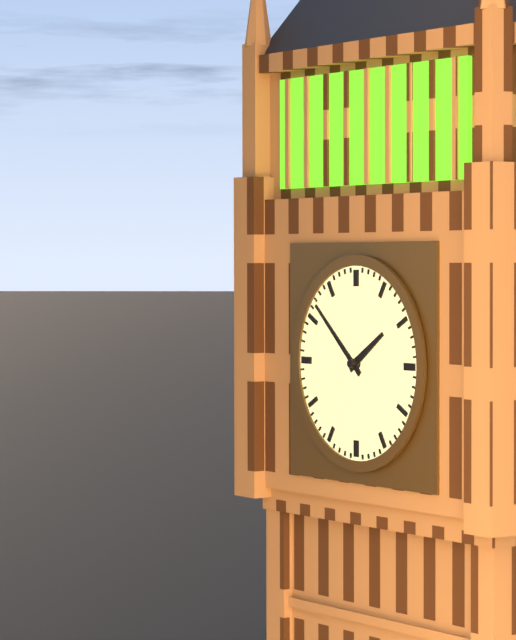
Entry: 1 h 52 min
